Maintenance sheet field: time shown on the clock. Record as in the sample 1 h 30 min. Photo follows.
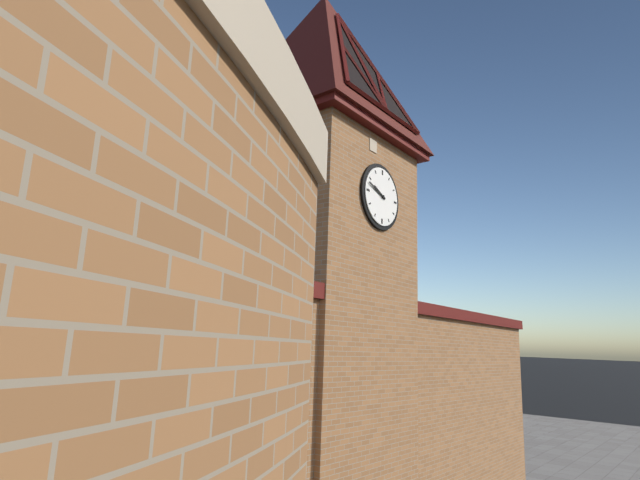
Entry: 9 h 48 min
